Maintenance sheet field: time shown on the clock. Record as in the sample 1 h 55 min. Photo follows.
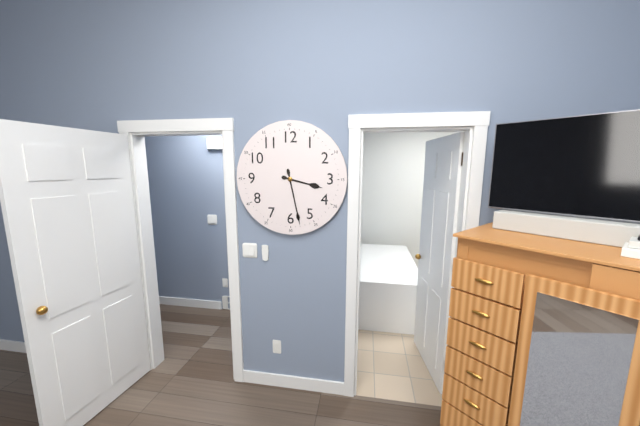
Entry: 3 h 28 min
